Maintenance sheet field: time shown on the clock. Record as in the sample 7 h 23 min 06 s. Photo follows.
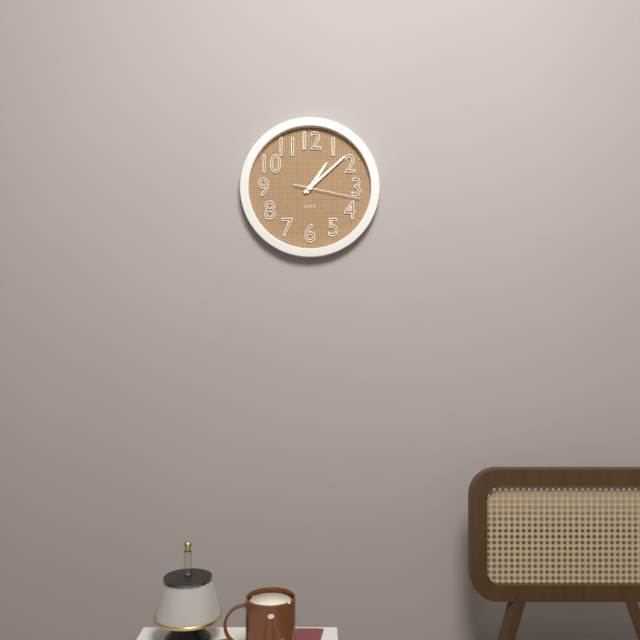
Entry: 1 h 08 min 17 s
